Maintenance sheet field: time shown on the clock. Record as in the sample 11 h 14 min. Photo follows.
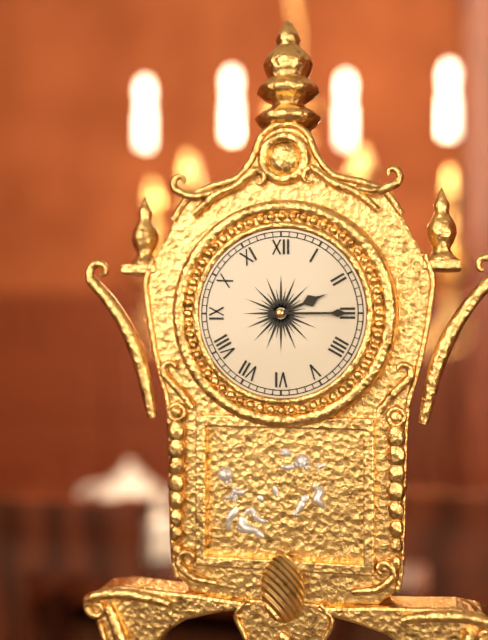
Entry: 2 h 15 min
